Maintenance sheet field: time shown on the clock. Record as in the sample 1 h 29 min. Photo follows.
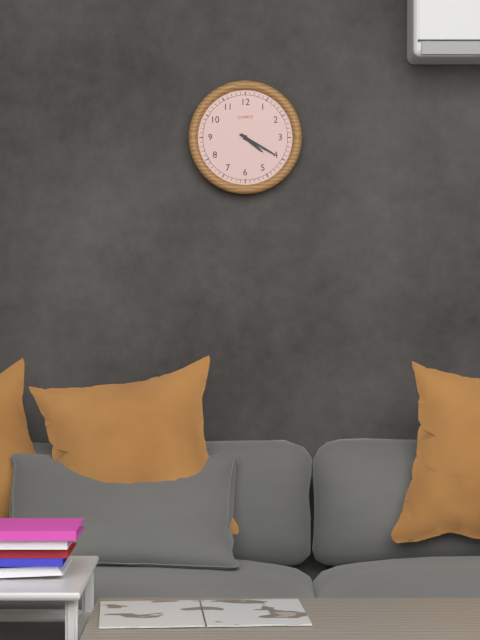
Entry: 4 h 20 min
